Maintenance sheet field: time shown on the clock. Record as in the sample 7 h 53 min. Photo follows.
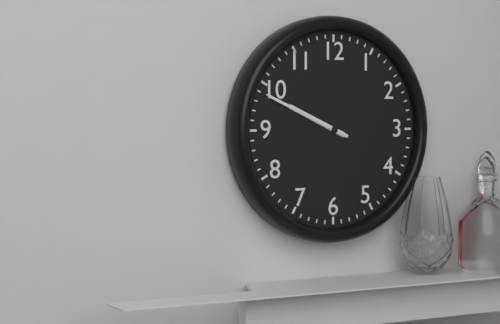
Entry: 9 h 49 min
